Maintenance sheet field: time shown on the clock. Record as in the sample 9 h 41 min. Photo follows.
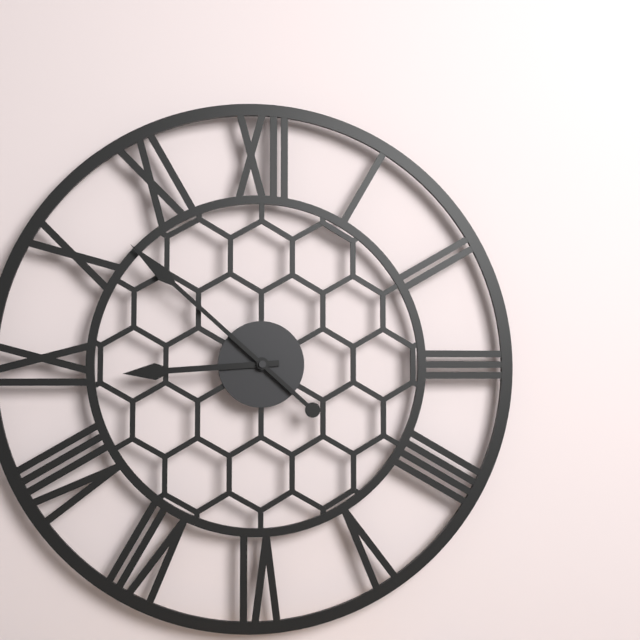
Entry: 8 h 52 min
